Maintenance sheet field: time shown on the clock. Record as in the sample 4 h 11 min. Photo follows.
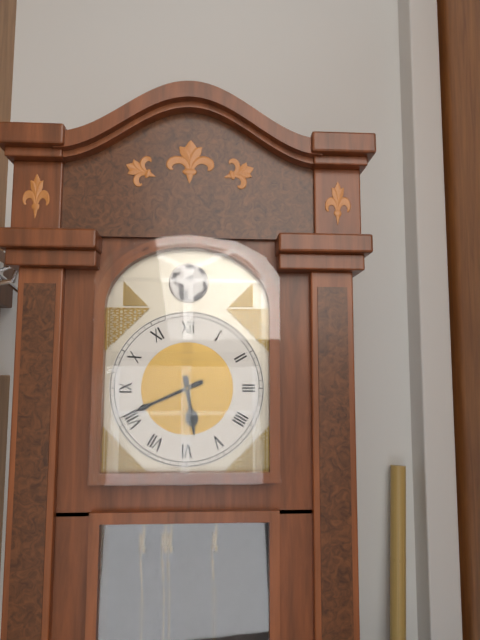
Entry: 5 h 41 min
